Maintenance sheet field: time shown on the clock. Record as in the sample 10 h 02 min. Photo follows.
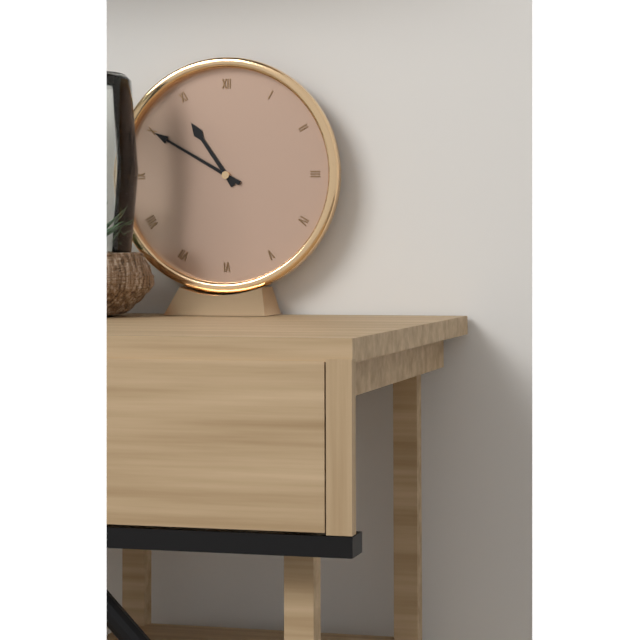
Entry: 10 h 50 min
